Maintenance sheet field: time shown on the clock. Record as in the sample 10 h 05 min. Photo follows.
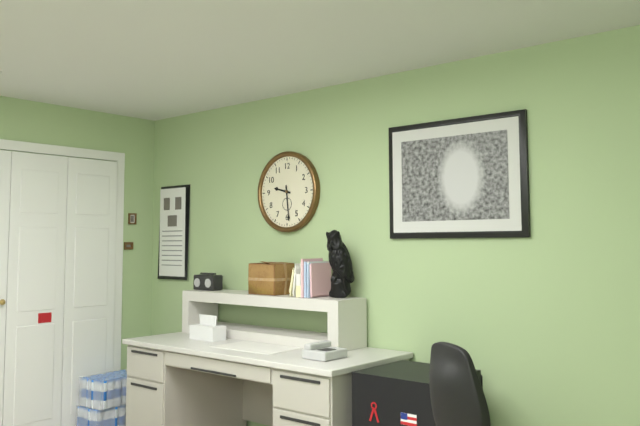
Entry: 9 h 29 min
